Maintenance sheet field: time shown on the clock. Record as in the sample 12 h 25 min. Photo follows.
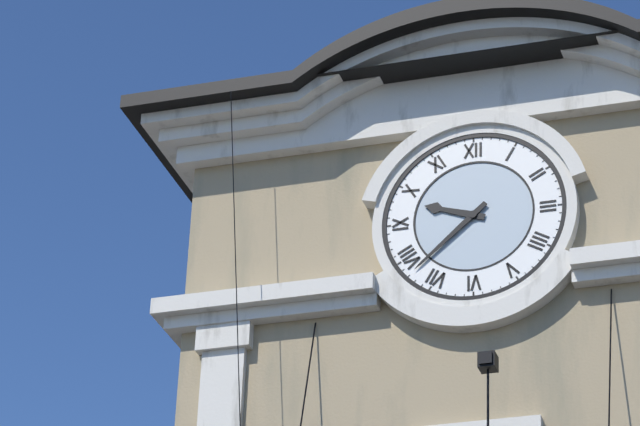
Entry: 9 h 38 min
